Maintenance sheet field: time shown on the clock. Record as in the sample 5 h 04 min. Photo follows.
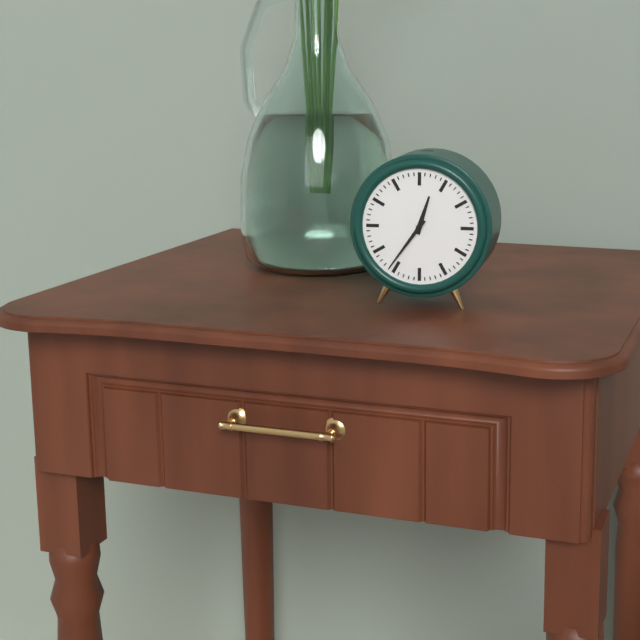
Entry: 12 h 36 min
